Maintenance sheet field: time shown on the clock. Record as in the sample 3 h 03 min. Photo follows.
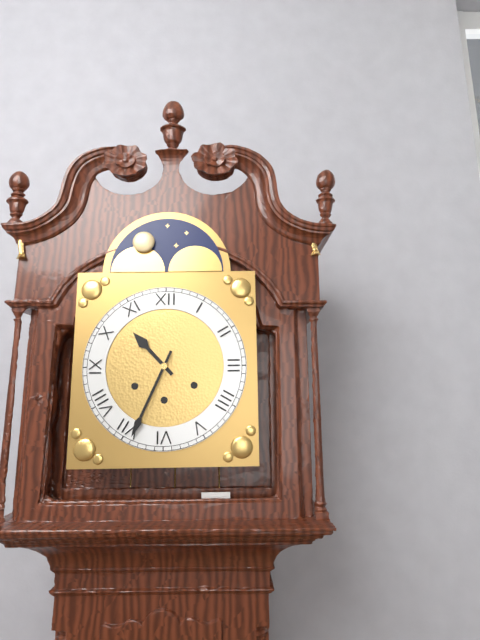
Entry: 10 h 34 min
